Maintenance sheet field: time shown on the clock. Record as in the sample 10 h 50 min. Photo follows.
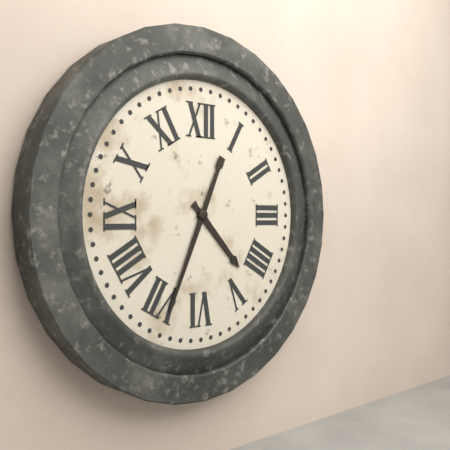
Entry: 4 h 34 min
